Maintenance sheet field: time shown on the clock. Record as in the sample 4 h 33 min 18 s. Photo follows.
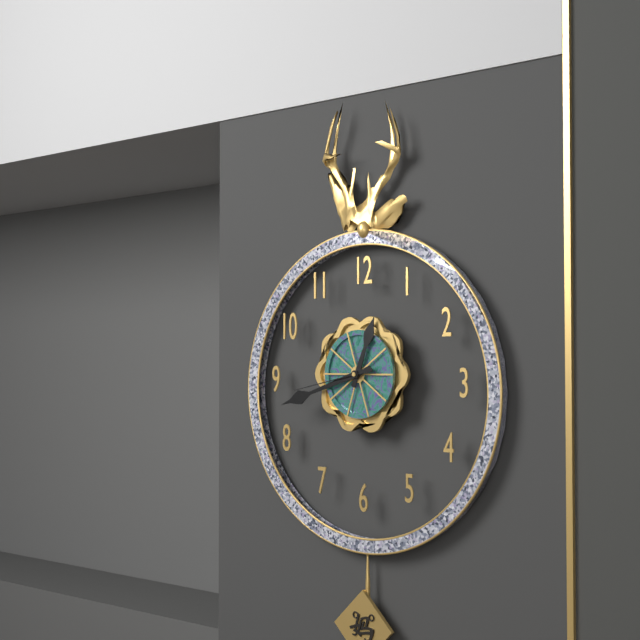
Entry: 12 h 42 min 43 s
